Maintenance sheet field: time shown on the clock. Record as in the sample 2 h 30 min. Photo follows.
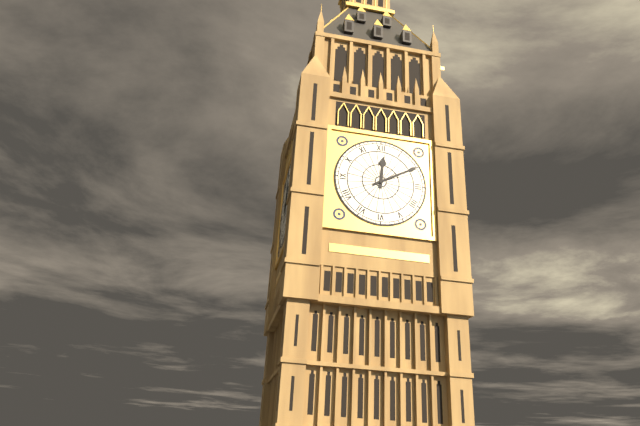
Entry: 12 h 10 min
